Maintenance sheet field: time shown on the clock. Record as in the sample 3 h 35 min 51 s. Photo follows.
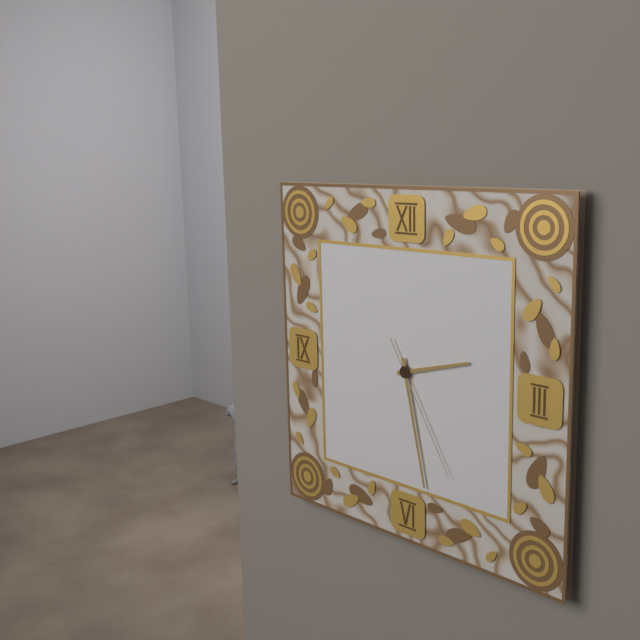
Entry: 2 h 28 min 25 s
